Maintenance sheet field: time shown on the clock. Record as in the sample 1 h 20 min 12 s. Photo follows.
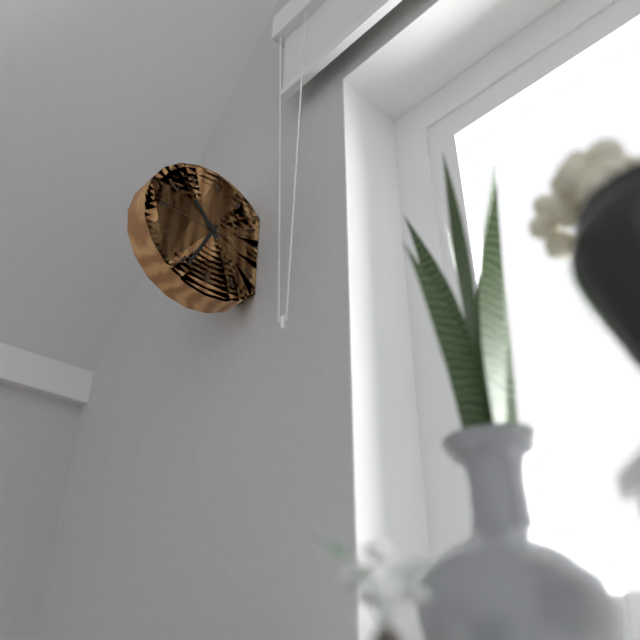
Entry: 10 h 34 min 45 s
